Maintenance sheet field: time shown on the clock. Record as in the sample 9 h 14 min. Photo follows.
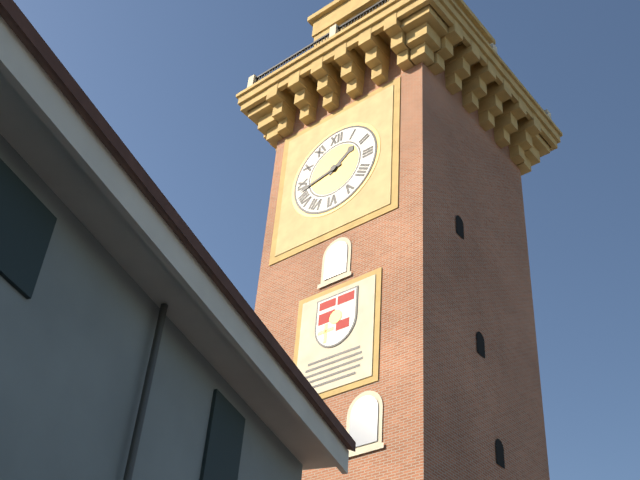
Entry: 1 h 43 min
